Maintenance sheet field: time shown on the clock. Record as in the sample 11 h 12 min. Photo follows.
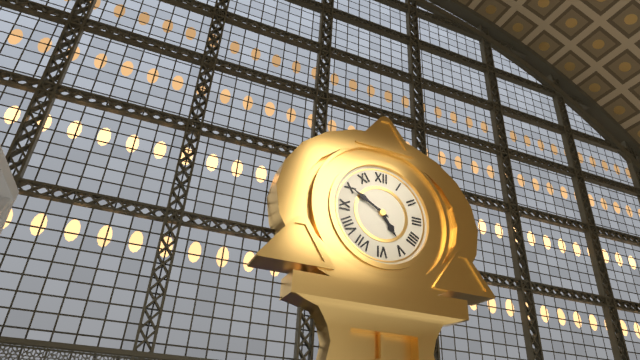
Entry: 4 h 50 min
